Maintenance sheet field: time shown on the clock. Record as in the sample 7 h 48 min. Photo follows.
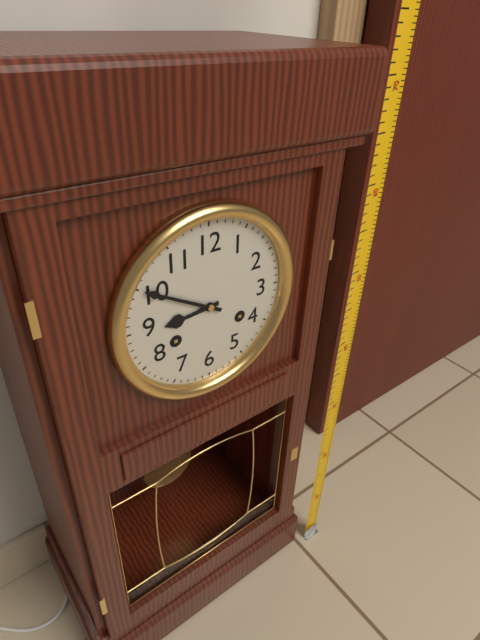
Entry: 8 h 50 min
